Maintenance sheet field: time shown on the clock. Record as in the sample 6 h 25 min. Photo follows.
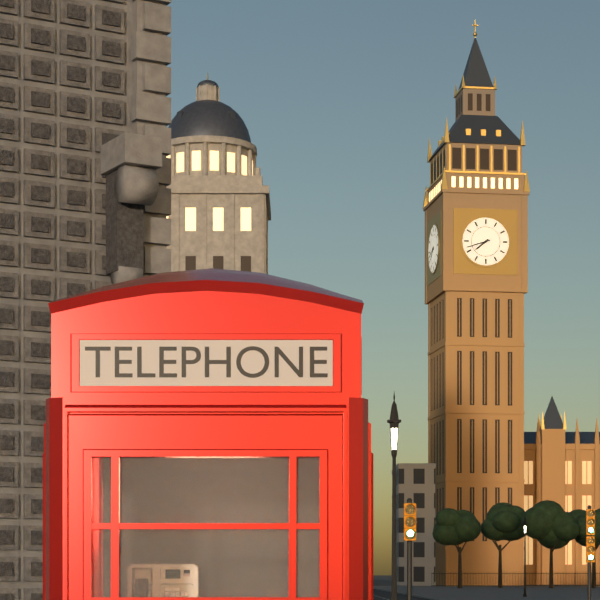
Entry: 7 h 42 min
